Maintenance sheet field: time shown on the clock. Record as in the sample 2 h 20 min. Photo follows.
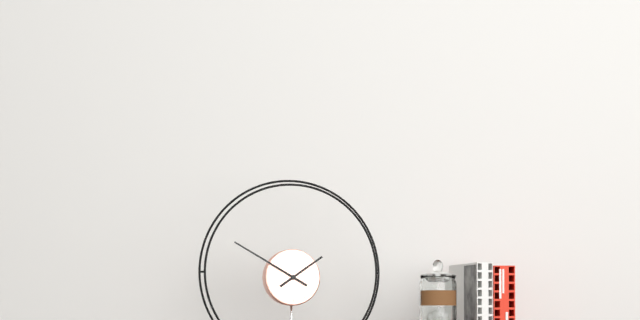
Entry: 1 h 50 min
